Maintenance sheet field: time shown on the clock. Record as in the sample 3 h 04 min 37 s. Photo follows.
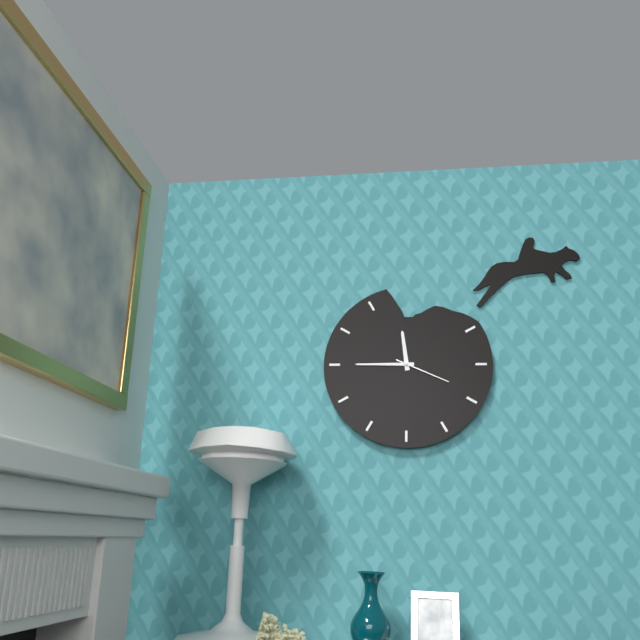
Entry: 11 h 45 min 19 s
